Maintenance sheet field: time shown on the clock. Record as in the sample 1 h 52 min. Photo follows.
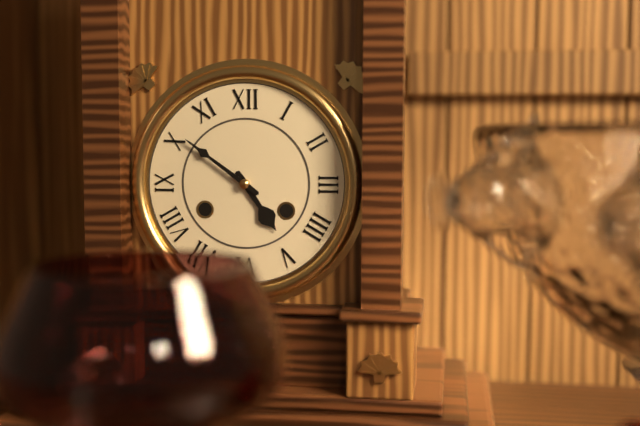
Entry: 4 h 51 min
